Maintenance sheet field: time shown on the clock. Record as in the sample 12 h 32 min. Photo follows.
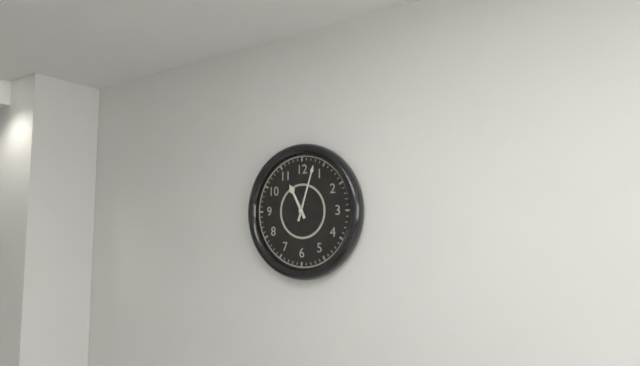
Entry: 11 h 03 min
